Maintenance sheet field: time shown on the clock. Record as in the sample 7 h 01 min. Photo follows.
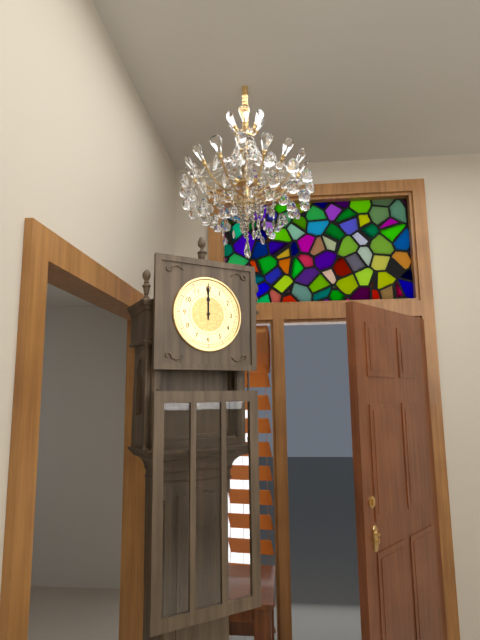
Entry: 12 h 00 min
